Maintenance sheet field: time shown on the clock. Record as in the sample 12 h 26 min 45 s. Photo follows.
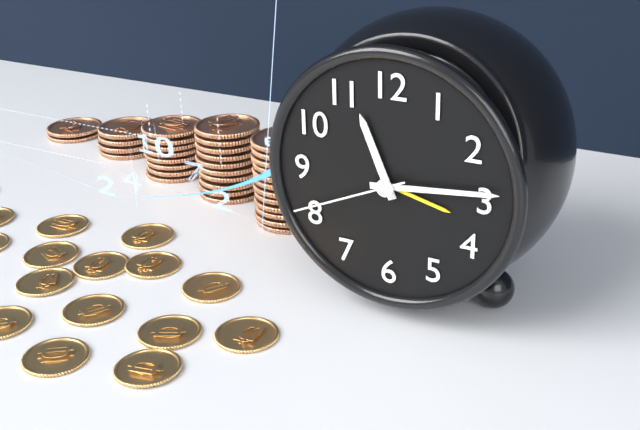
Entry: 11 h 14 min 41 s
